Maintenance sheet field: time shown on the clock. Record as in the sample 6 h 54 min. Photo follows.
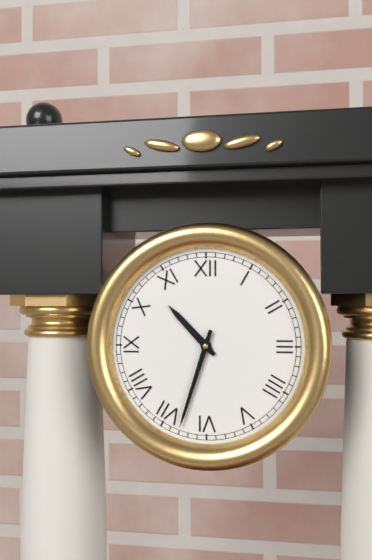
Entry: 10 h 33 min
